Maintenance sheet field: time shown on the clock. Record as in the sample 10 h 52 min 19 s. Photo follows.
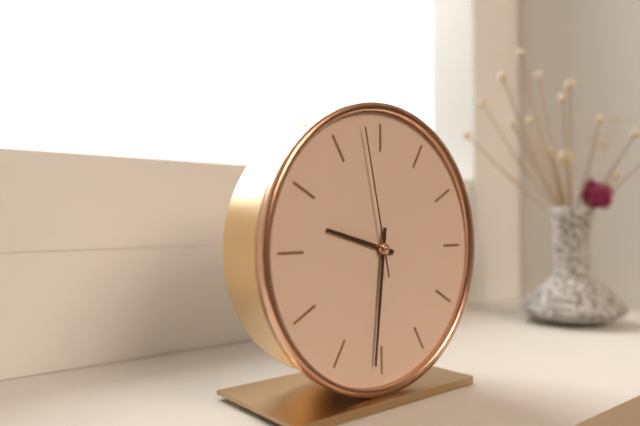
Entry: 9 h 31 min 58 s
